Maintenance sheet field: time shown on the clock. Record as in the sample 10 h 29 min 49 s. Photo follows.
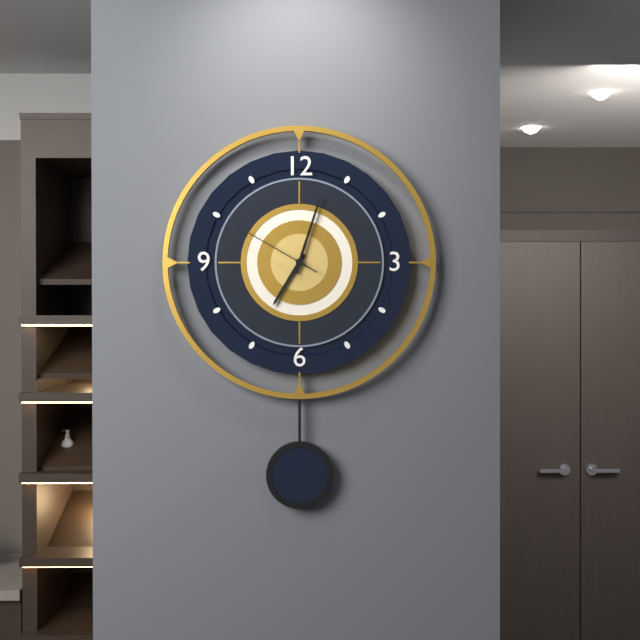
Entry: 7 h 03 min 50 s
